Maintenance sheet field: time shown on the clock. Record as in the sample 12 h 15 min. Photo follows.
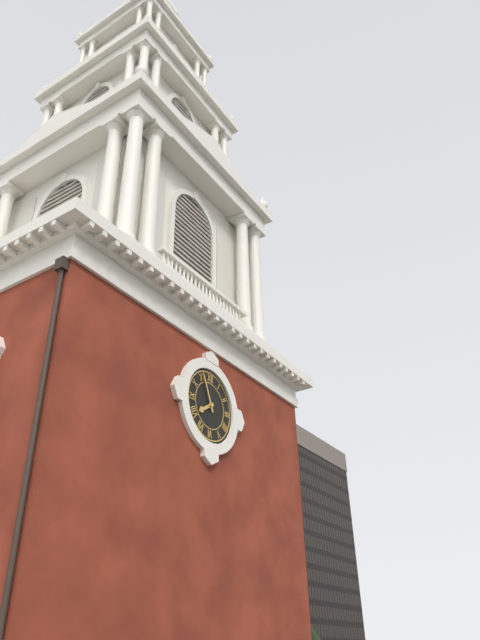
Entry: 7 h 56 min
